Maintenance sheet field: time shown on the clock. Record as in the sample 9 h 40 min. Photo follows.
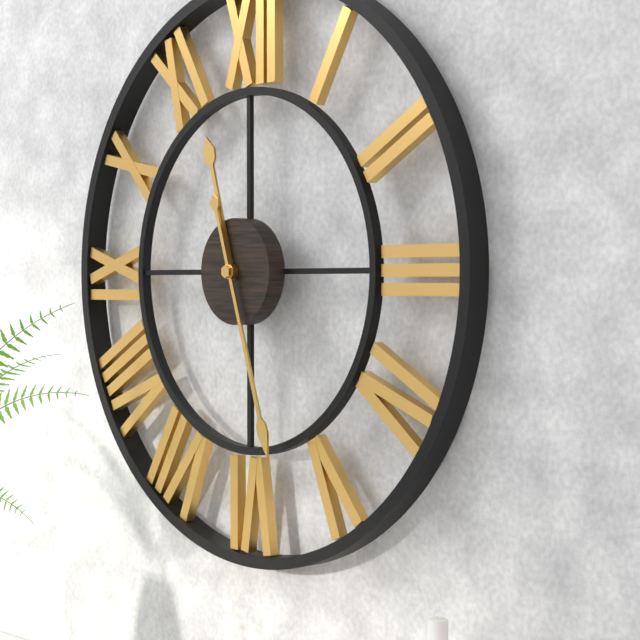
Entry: 11 h 27 min
